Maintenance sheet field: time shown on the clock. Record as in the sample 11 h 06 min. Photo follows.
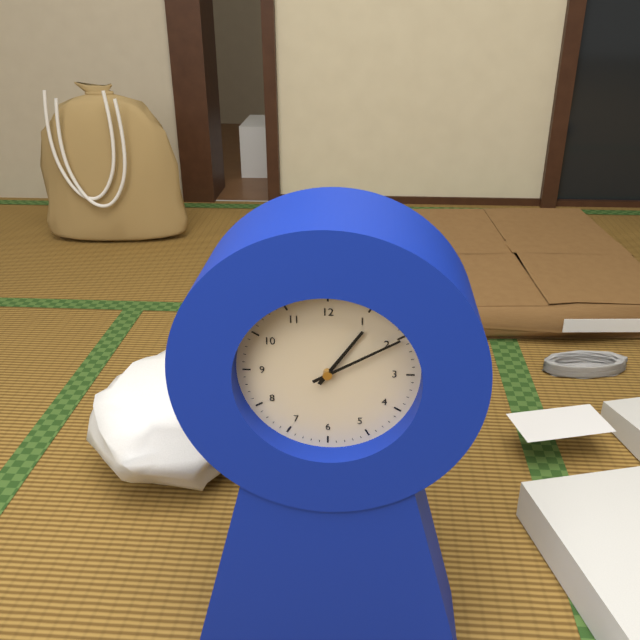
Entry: 1 h 10 min
